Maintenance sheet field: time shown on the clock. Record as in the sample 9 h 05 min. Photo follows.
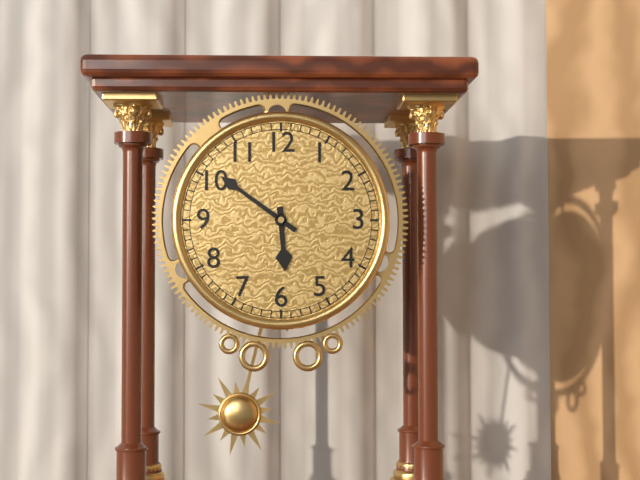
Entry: 5 h 51 min
